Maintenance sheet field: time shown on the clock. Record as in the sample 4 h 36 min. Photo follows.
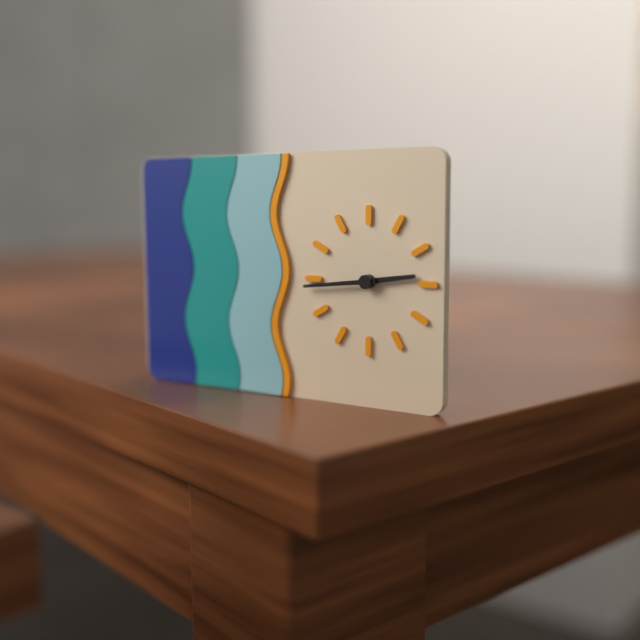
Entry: 2 h 44 min
